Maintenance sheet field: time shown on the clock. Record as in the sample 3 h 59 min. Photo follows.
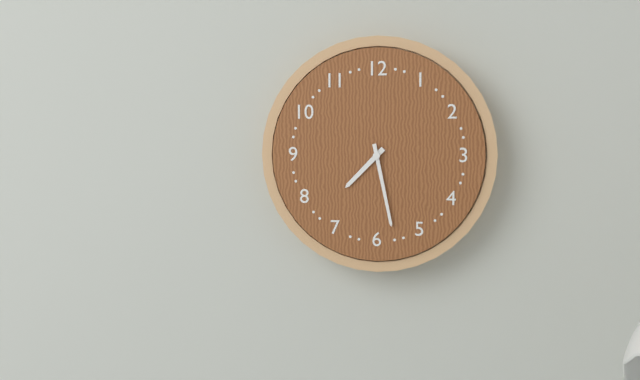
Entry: 7 h 28 min
